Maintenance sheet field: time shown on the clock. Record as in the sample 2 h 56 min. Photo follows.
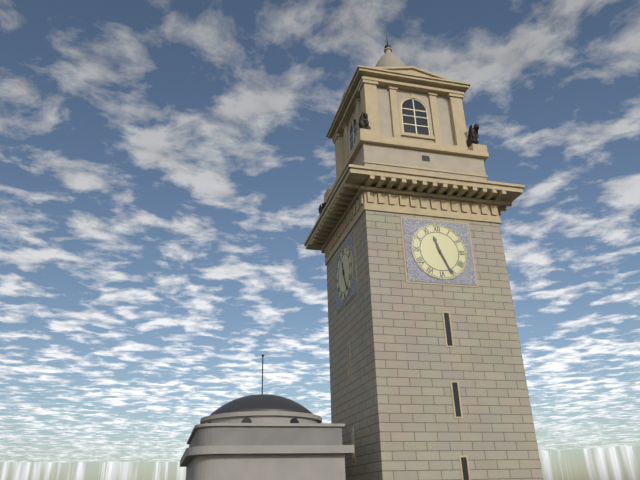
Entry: 11 h 26 min
